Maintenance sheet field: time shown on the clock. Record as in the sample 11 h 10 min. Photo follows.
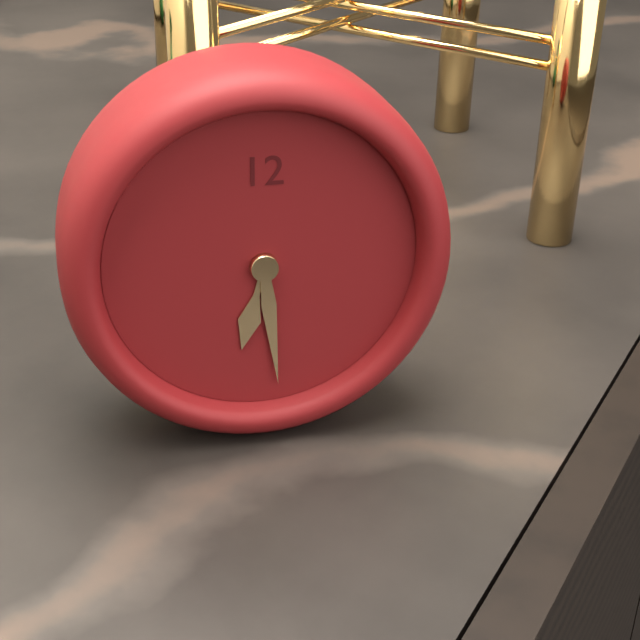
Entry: 6 h 29 min
